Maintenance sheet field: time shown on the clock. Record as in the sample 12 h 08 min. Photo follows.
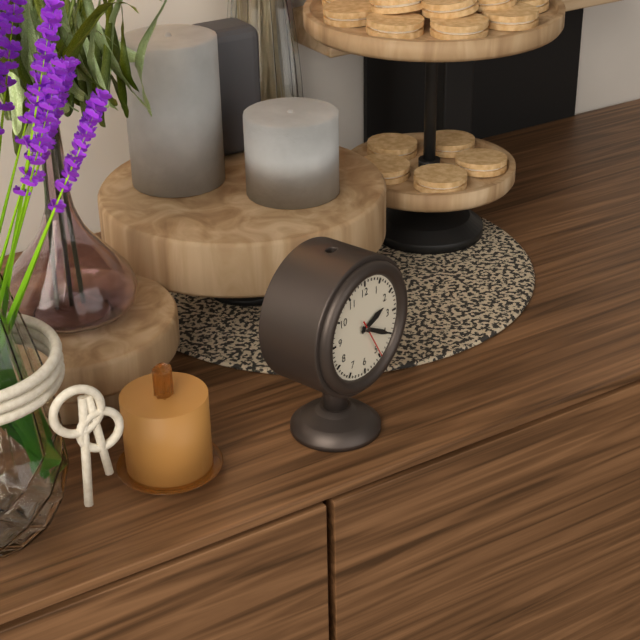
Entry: 2 h 20 min
